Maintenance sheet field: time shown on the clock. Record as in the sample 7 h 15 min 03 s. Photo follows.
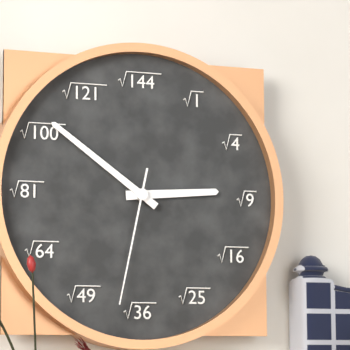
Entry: 2 h 51 min 32 s
